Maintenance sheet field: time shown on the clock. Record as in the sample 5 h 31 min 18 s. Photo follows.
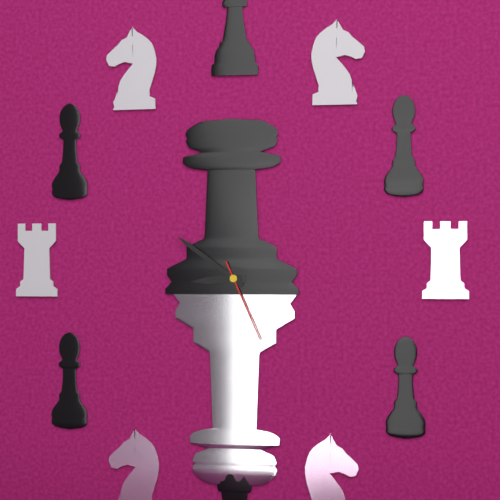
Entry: 8 h 51 min 26 s
